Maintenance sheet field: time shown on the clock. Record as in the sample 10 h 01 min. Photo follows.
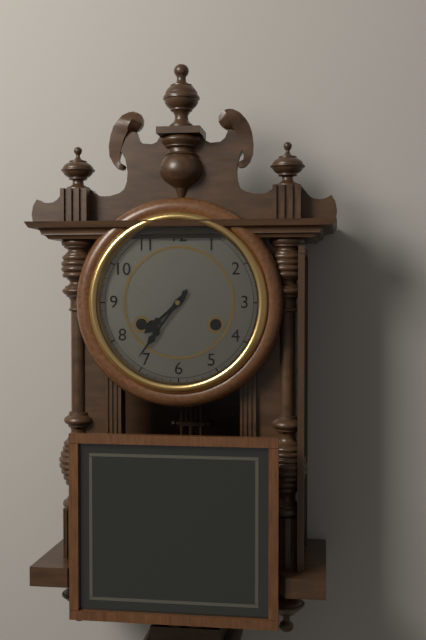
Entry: 7 h 36 min
